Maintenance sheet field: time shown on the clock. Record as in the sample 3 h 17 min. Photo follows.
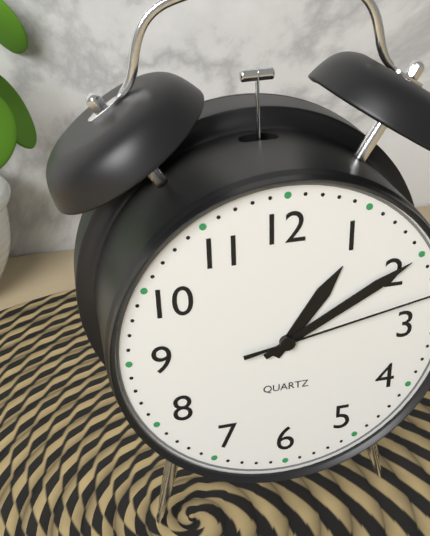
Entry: 1 h 10 min
